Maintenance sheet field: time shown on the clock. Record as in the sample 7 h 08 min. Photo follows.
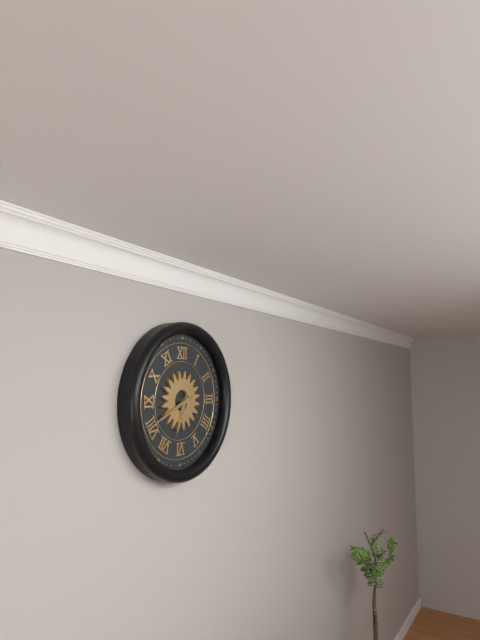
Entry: 6 h 41 min
